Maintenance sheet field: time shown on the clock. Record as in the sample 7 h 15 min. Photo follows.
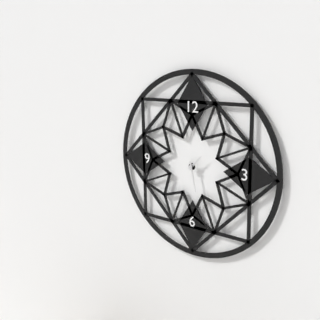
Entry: 1 h 28 min
